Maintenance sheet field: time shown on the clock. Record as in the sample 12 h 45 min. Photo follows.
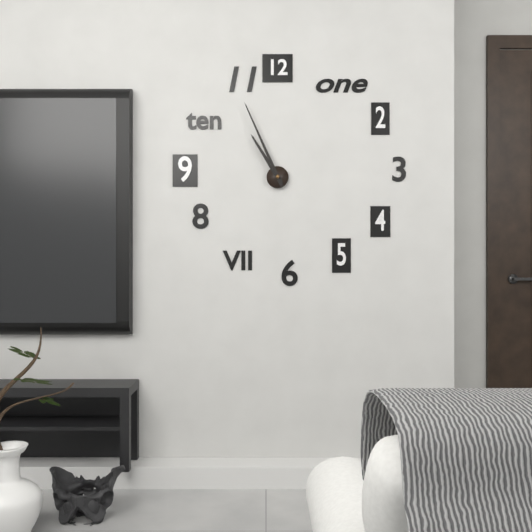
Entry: 10 h 56 min
